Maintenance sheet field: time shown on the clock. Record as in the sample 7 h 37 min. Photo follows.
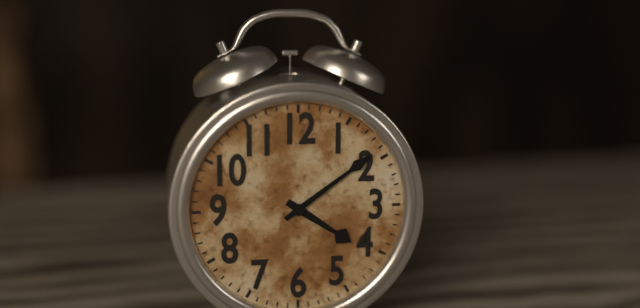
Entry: 4 h 09 min
